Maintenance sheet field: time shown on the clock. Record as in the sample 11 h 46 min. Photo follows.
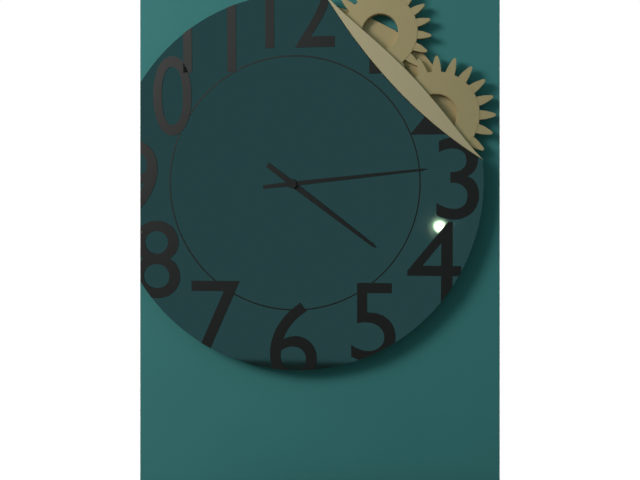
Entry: 4 h 14 min
